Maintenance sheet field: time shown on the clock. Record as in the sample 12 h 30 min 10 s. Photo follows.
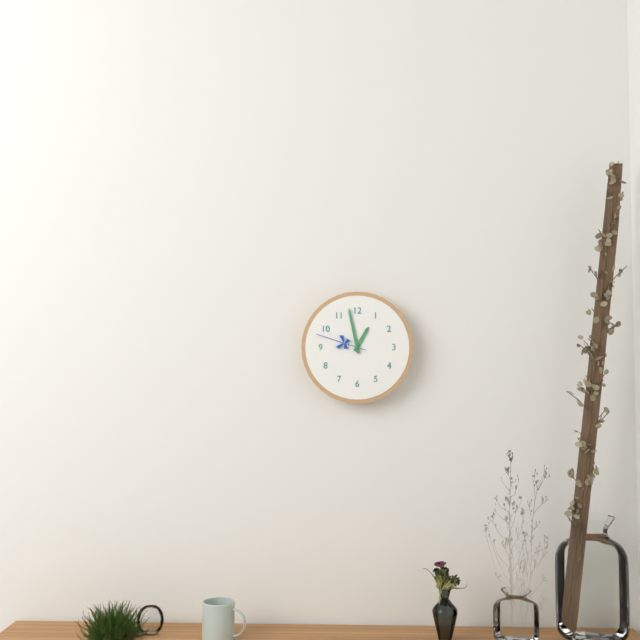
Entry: 12 h 58 min 48 s
